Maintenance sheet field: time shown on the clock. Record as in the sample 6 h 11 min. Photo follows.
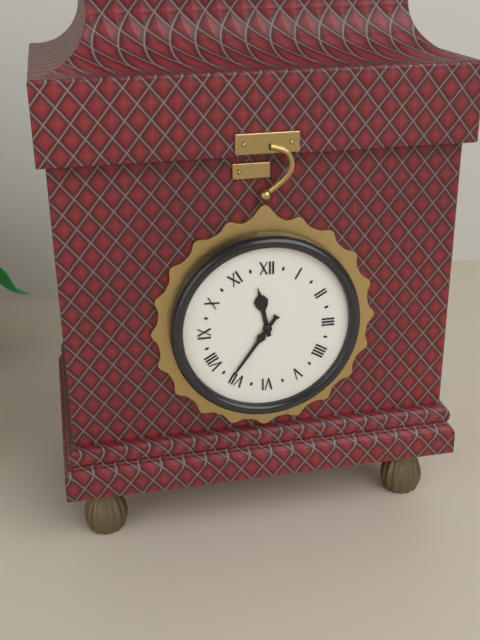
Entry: 11 h 36 min
